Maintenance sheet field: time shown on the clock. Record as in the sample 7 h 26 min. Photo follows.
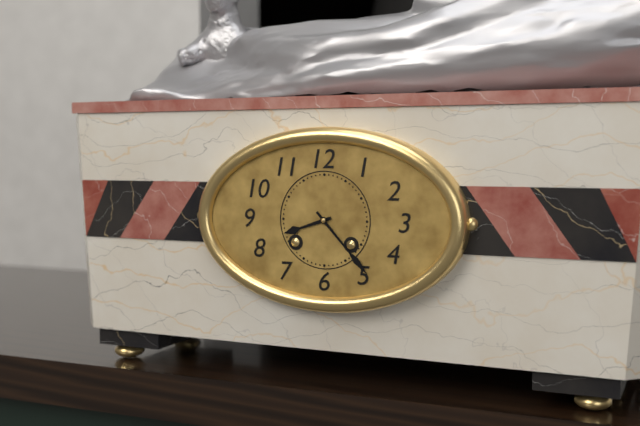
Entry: 8 h 23 min
